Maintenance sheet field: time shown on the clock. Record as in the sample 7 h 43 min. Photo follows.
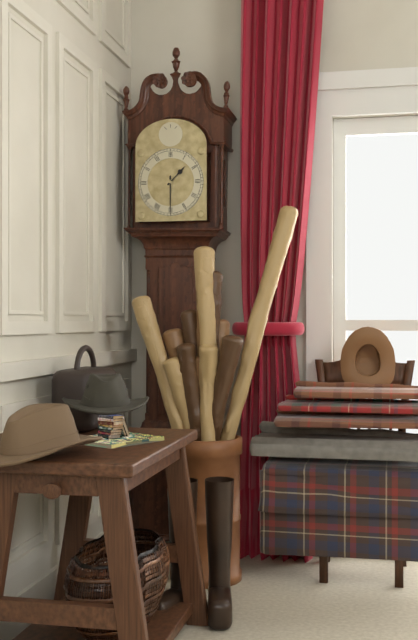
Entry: 1 h 30 min
